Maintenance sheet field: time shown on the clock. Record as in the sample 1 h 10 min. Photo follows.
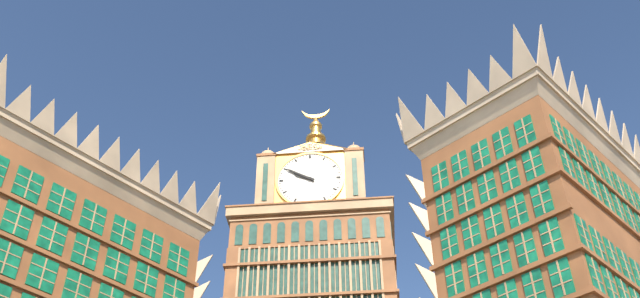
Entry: 9 h 50 min
